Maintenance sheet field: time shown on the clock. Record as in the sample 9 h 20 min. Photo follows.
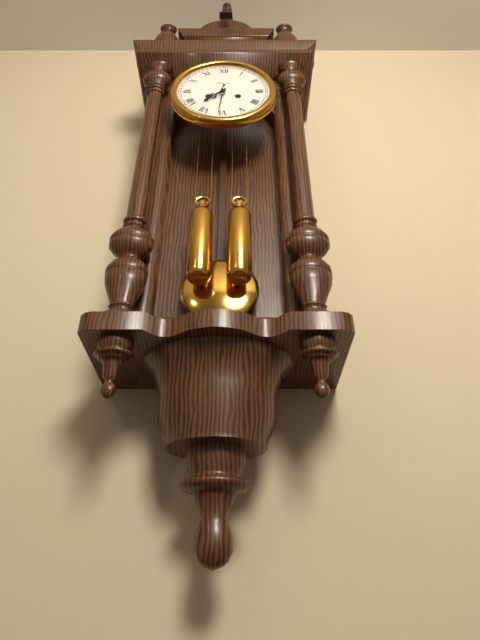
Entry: 7 h 31 min
